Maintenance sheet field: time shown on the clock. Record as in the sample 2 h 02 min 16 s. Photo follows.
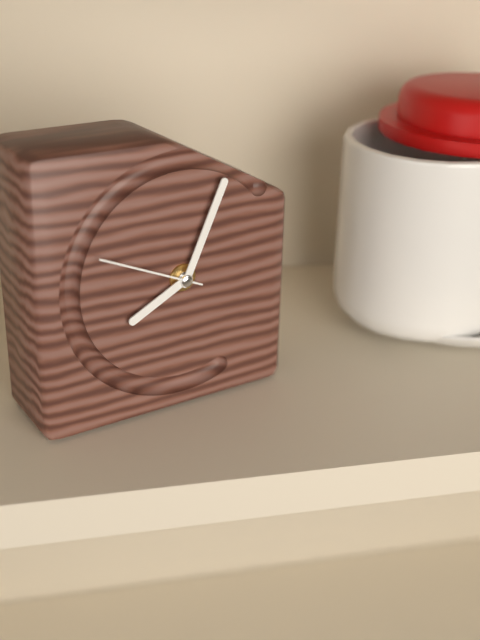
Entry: 8 h 04 min 49 s
